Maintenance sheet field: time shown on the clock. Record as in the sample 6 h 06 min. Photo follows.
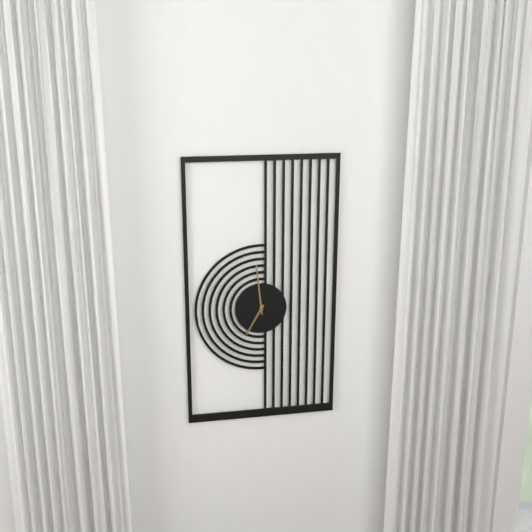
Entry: 6 h 59 min
